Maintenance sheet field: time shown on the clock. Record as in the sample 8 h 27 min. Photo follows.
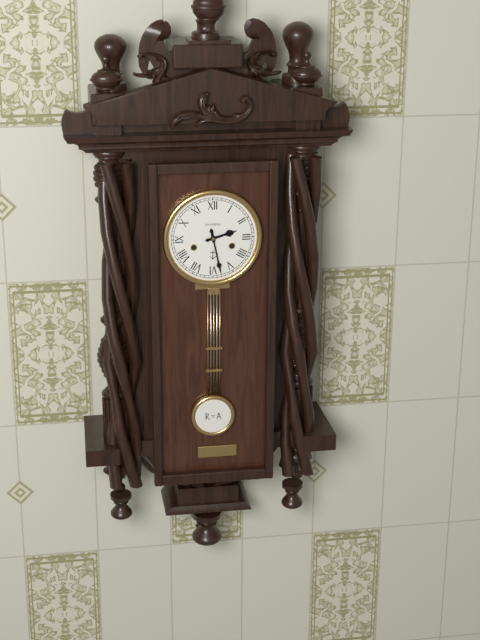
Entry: 2 h 28 min
